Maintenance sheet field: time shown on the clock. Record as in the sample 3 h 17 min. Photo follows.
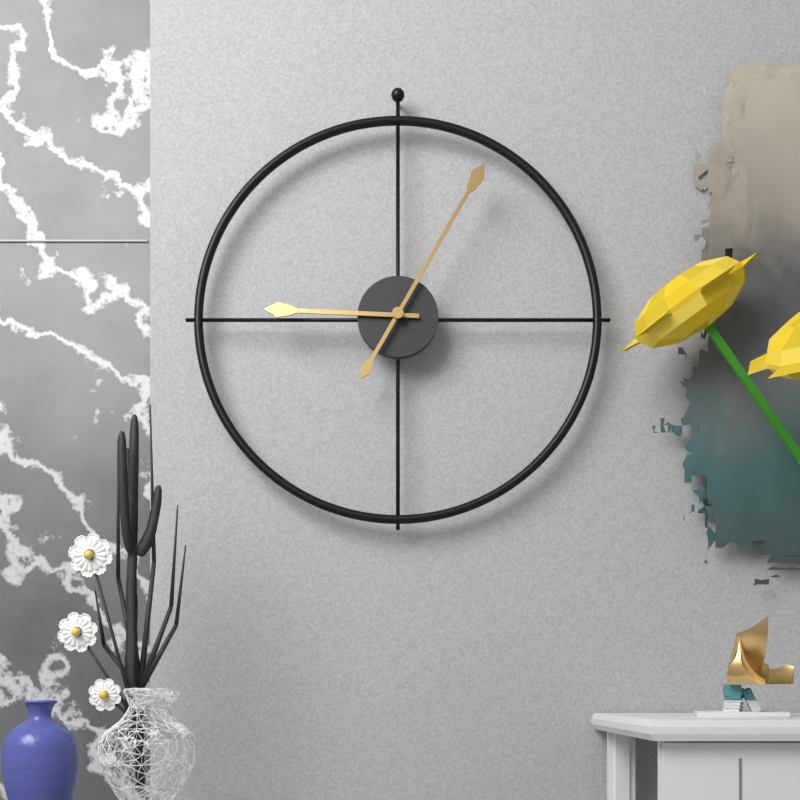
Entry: 9 h 05 min
